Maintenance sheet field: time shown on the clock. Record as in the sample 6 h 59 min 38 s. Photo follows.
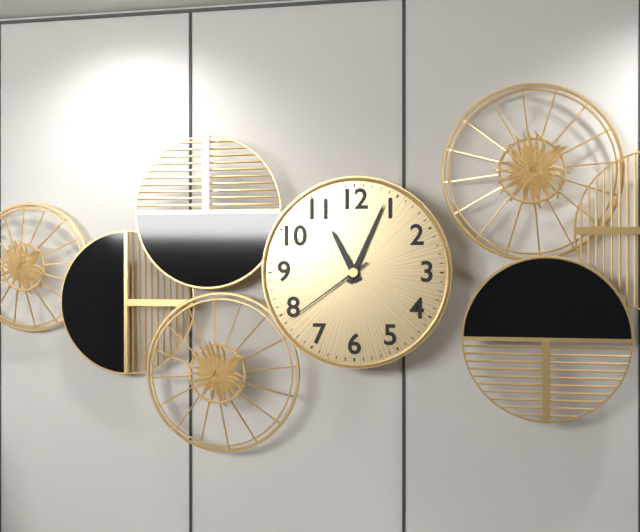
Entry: 11 h 04 min 39 s
